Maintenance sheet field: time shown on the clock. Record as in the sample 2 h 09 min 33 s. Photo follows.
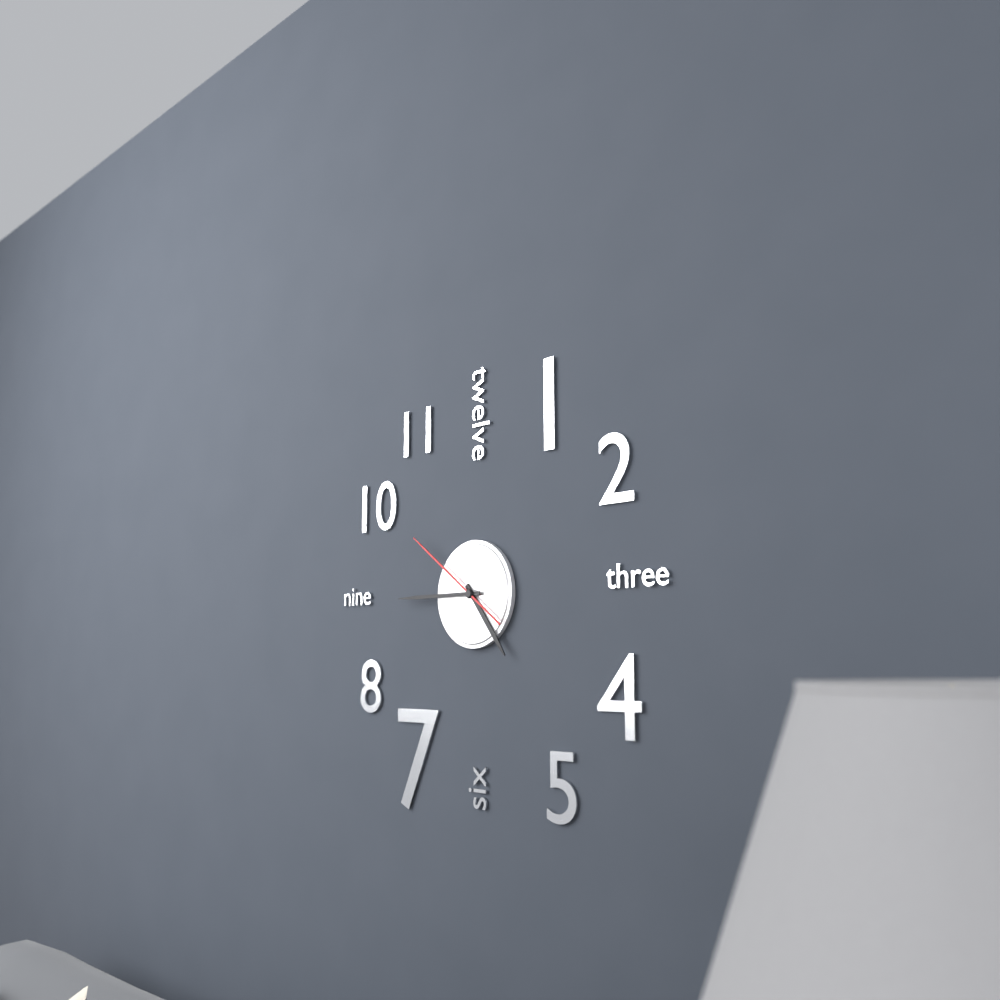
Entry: 4 h 45 min 51 s
